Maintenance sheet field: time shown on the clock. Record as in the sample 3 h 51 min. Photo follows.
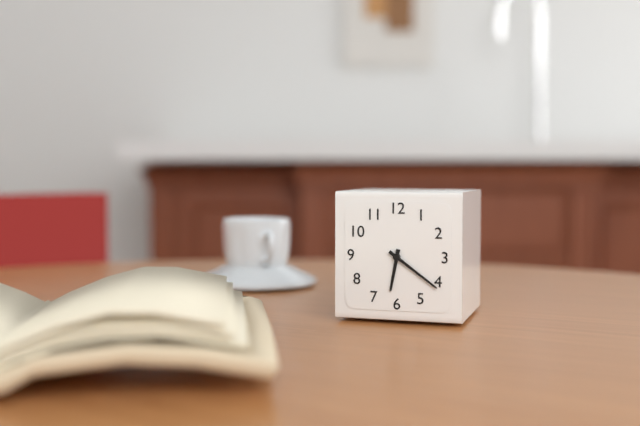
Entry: 6 h 21 min
